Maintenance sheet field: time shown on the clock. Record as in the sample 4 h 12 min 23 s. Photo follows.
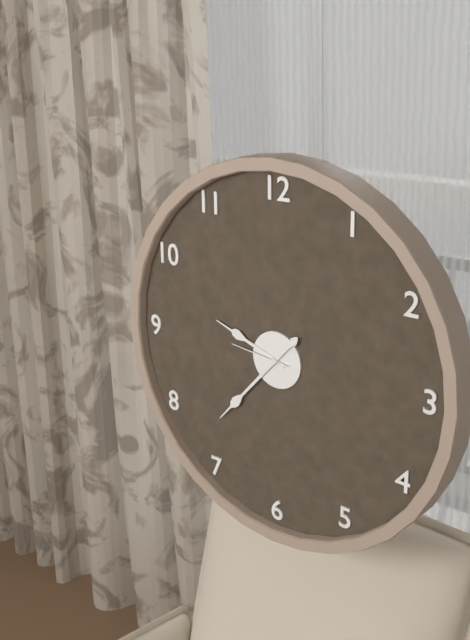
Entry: 9 h 37 min 46 s
